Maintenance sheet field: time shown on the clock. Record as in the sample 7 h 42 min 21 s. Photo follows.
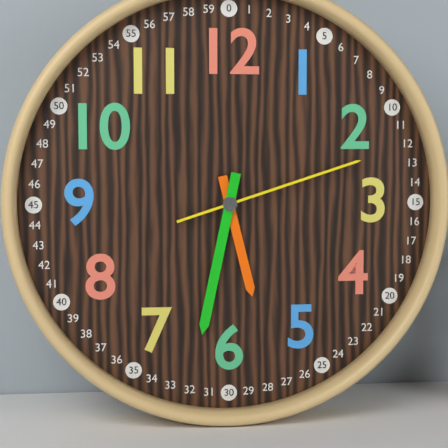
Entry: 5 h 32 min 12 s
